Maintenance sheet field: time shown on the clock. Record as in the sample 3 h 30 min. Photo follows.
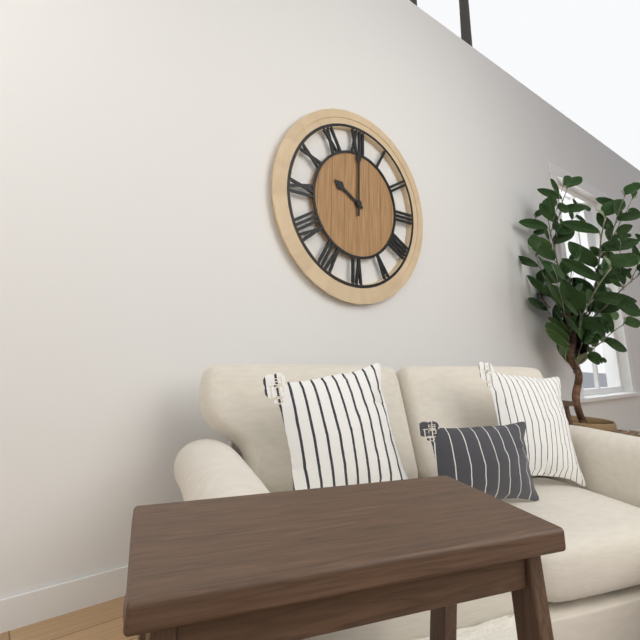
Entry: 10 h 00 min
